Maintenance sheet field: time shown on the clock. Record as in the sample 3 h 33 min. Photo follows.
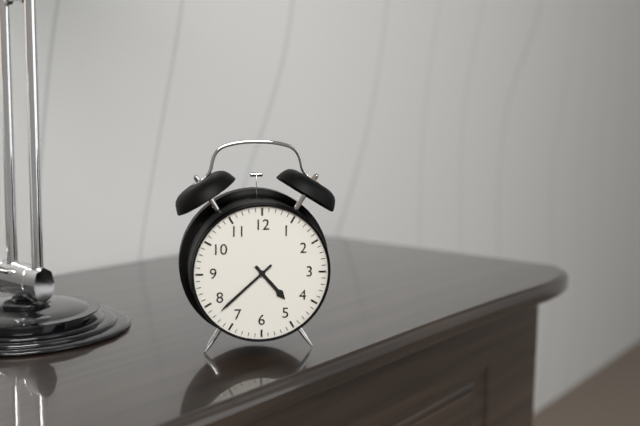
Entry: 4 h 38 min
